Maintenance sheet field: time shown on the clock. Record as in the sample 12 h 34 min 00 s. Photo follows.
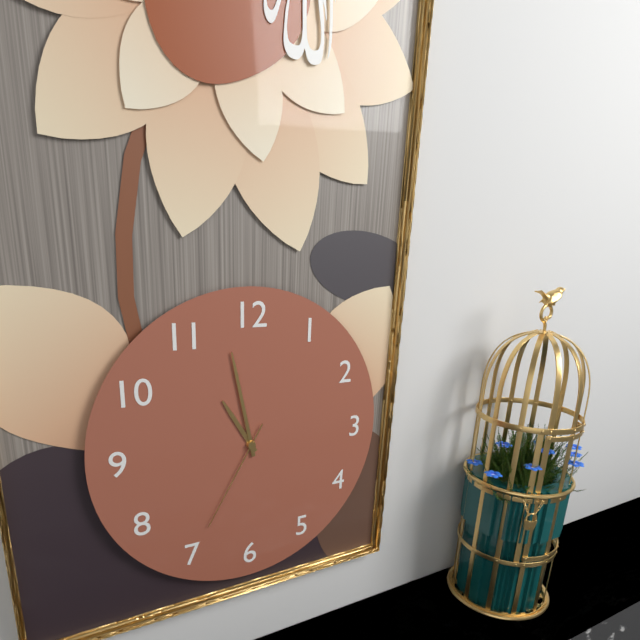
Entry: 10 h 58 min 35 s
